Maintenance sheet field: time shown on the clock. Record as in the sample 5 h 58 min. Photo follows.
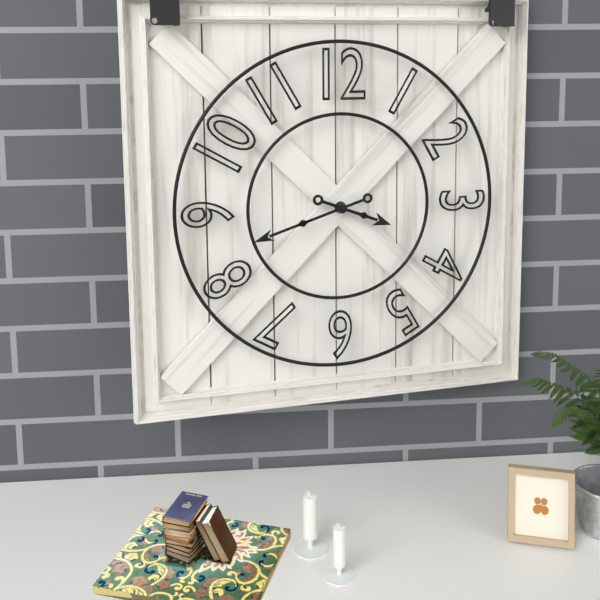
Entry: 3 h 42 min
